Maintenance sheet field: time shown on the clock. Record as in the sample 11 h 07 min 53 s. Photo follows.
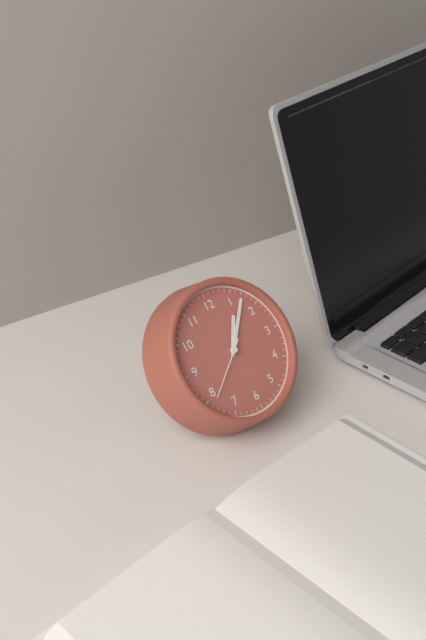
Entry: 1 h 07 min 39 s
